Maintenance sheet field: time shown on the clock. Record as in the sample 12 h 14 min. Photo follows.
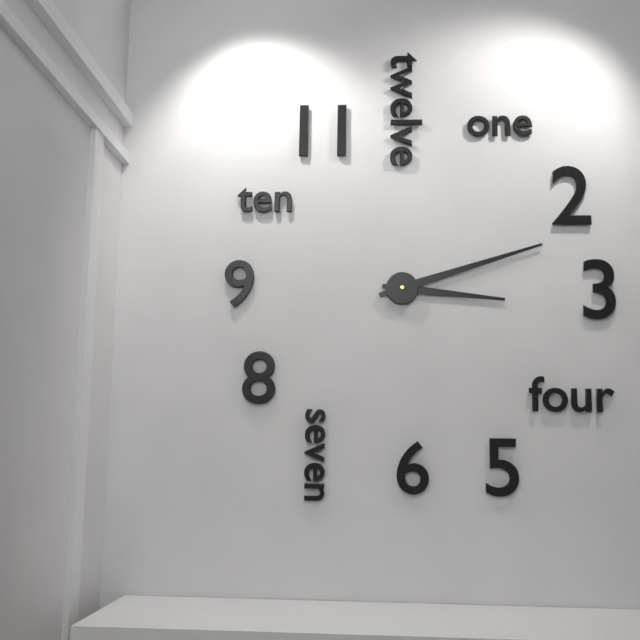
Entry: 3 h 12 min
